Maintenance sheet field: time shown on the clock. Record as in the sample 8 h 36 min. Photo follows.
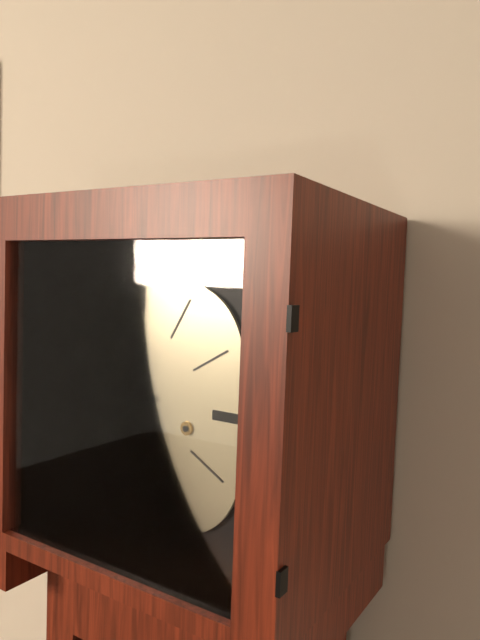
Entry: 11 h 42 min
